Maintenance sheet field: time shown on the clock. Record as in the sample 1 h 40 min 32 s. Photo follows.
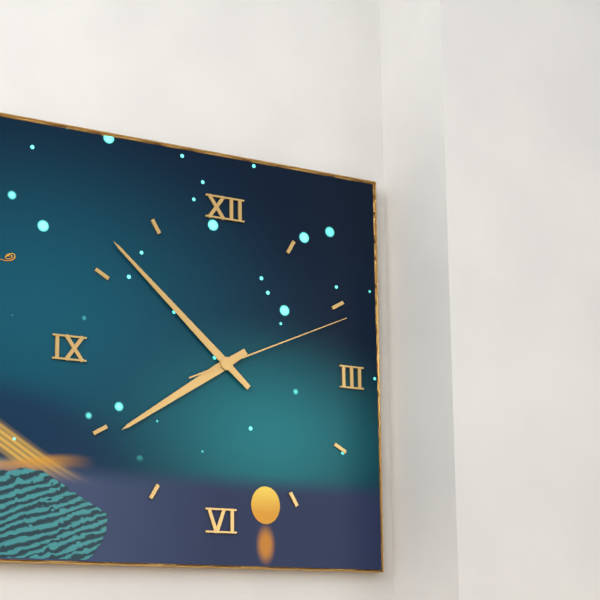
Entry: 7 h 52 min 11 s
